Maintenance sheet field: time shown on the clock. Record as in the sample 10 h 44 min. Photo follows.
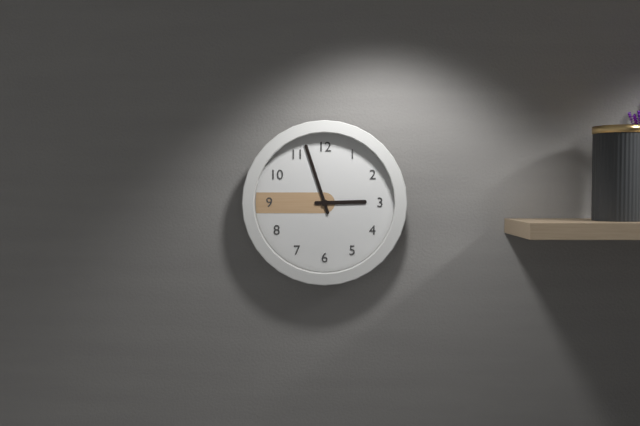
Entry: 2 h 57 min
